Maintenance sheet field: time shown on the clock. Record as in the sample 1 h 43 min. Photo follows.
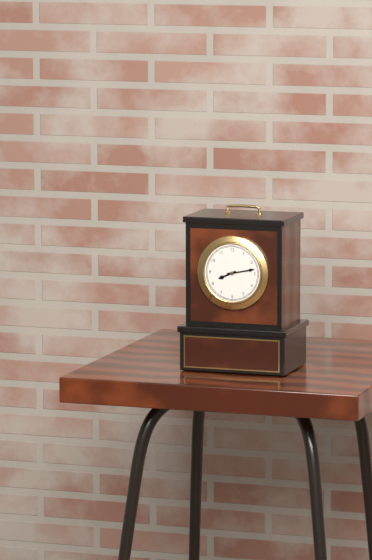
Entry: 8 h 13 min
